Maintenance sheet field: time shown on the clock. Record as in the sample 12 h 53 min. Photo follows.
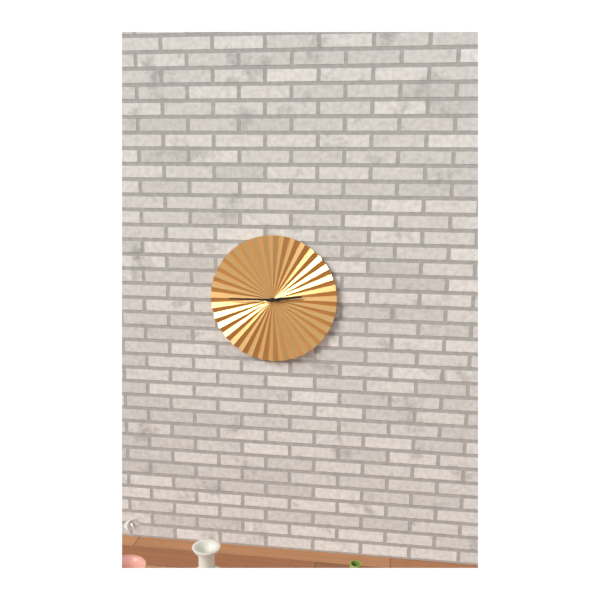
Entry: 2 h 45 min
